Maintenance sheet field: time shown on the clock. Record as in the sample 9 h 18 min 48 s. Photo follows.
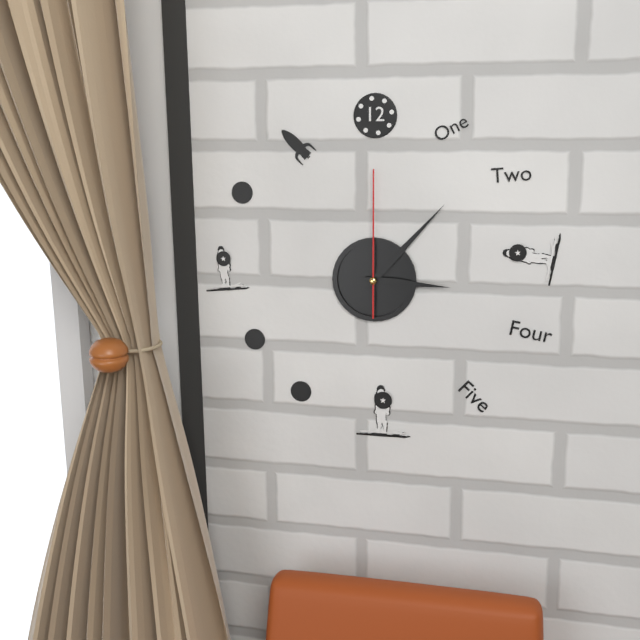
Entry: 3 h 07 min 00 s
